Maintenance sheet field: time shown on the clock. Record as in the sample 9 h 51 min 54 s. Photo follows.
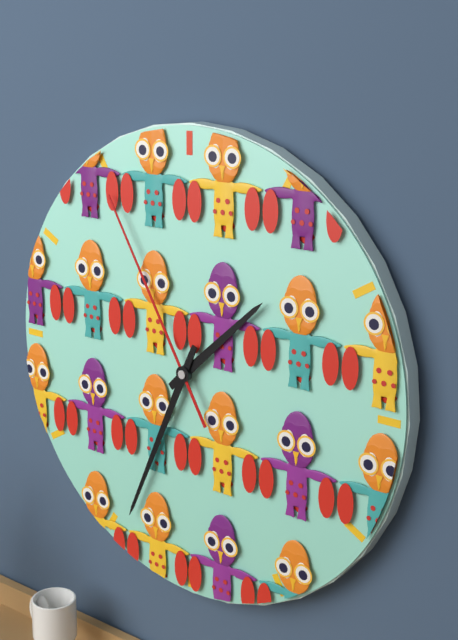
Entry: 1 h 34 min 55 s
